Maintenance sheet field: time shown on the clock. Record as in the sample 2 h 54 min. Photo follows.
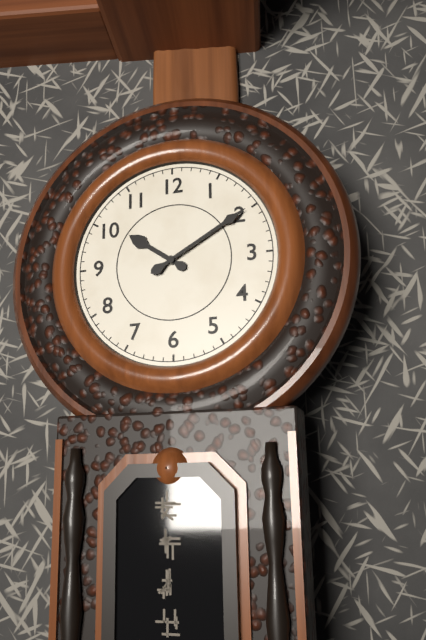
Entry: 10 h 10 min
